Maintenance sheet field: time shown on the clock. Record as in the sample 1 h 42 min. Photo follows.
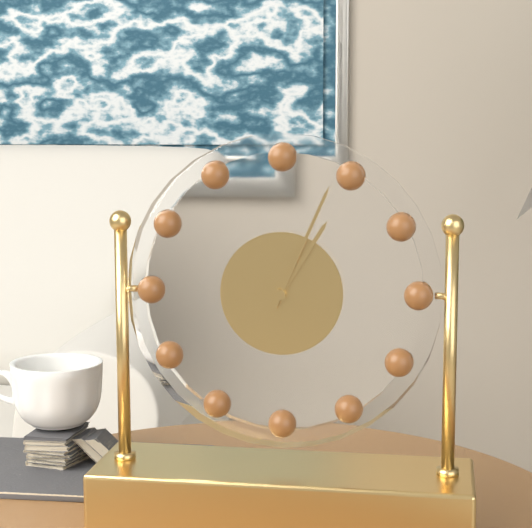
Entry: 1 h 04 min
